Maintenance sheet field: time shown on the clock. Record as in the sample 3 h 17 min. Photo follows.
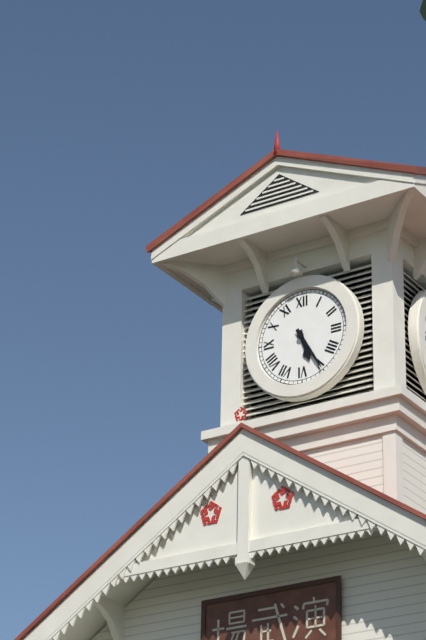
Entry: 5 h 25 min
